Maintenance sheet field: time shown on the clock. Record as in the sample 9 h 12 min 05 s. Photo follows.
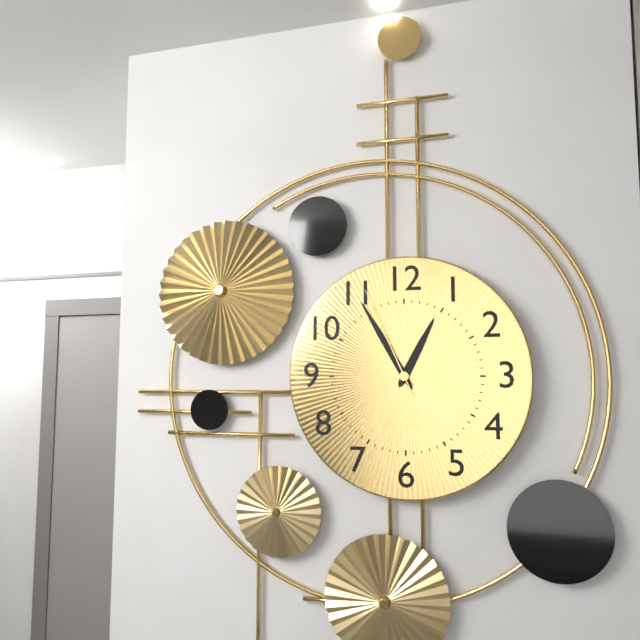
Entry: 12 h 55 min 56 s
